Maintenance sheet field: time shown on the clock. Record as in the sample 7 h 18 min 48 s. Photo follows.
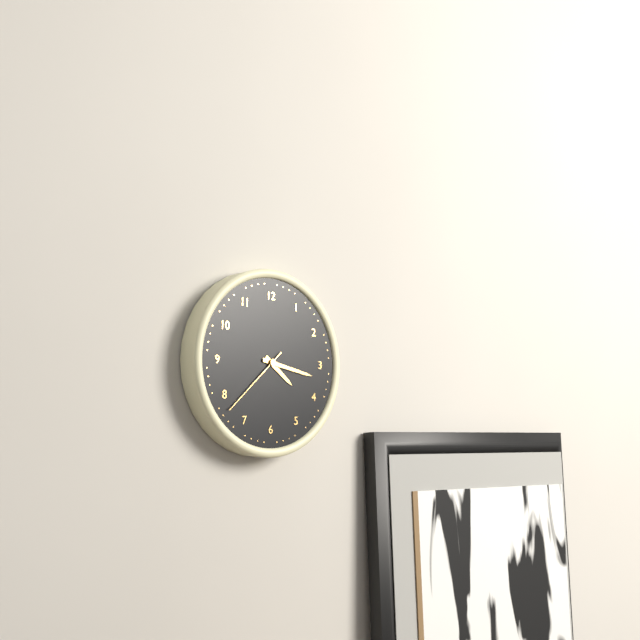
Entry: 4 h 17 min 38 s
